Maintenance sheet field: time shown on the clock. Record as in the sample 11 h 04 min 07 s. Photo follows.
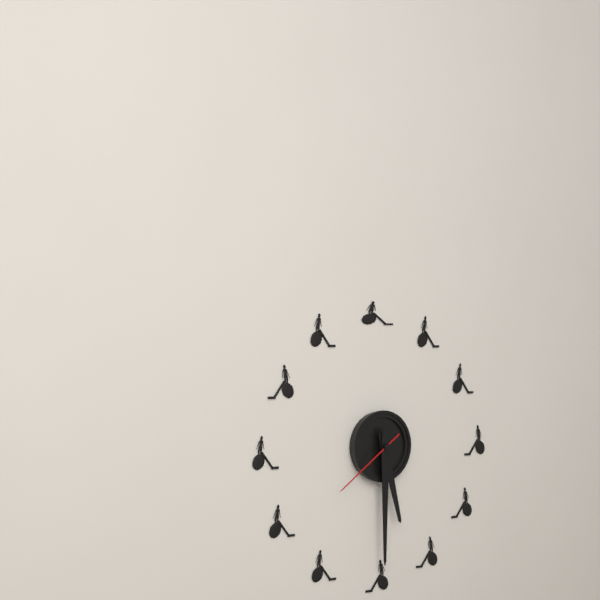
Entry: 5 h 30 min 39 s
